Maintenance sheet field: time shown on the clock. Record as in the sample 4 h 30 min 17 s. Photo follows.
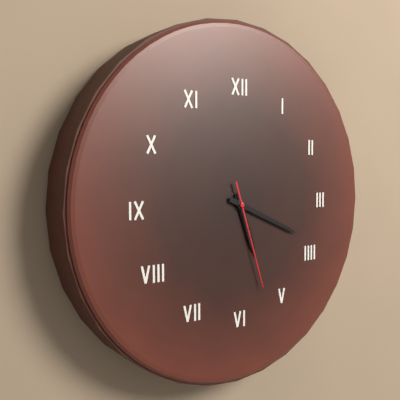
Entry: 5 h 19 min 27 s
